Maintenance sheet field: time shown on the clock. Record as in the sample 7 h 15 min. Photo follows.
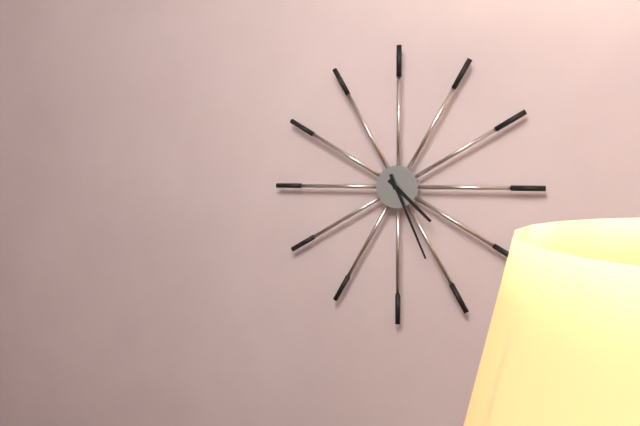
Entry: 4 h 26 min
